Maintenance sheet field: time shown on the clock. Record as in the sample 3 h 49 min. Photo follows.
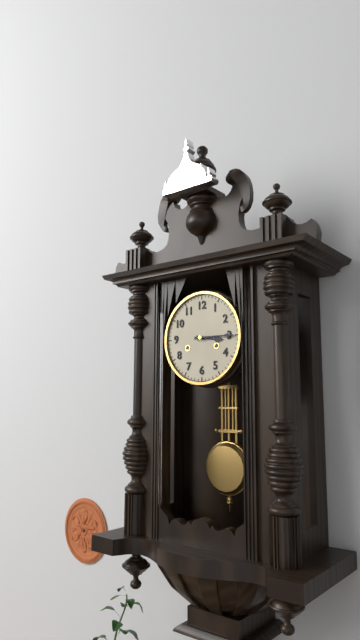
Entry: 3 h 15 min
